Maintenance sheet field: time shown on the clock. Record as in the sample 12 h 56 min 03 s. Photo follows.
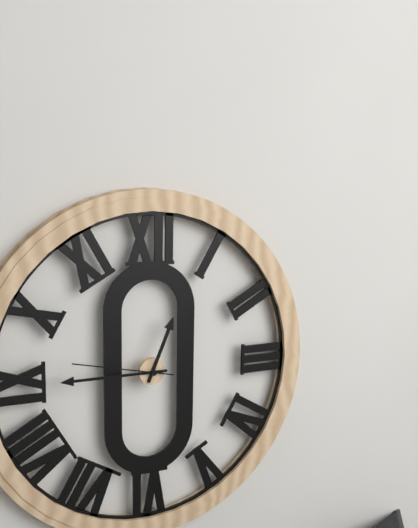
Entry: 12 h 45 min 47 s
